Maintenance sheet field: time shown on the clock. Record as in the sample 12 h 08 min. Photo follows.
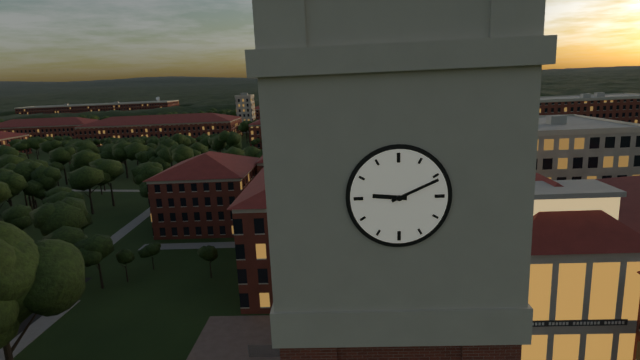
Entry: 9 h 11 min
